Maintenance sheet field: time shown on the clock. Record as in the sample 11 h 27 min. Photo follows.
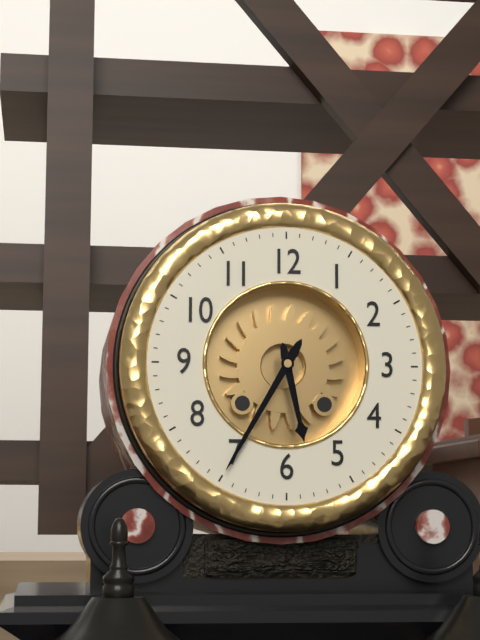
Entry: 5 h 35 min
